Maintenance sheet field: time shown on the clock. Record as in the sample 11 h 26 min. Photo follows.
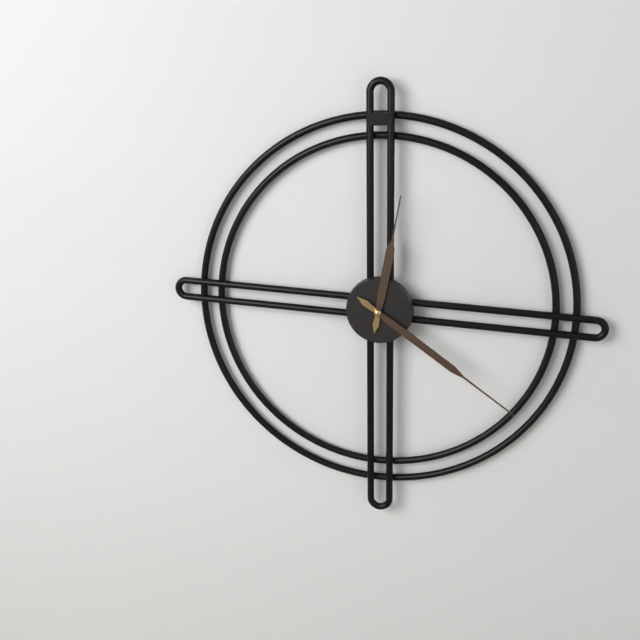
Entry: 12 h 21 min
